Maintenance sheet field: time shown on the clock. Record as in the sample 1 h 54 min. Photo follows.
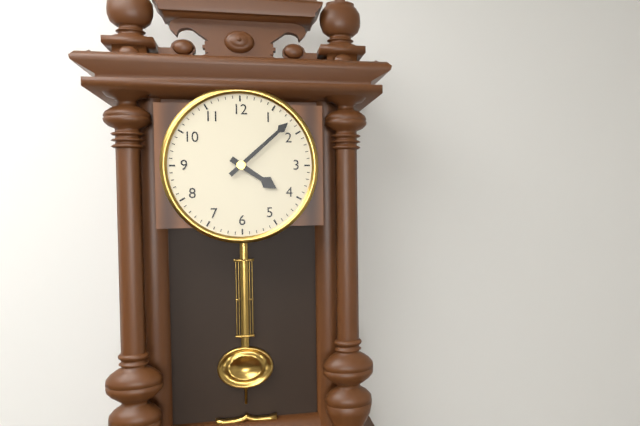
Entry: 4 h 08 min
